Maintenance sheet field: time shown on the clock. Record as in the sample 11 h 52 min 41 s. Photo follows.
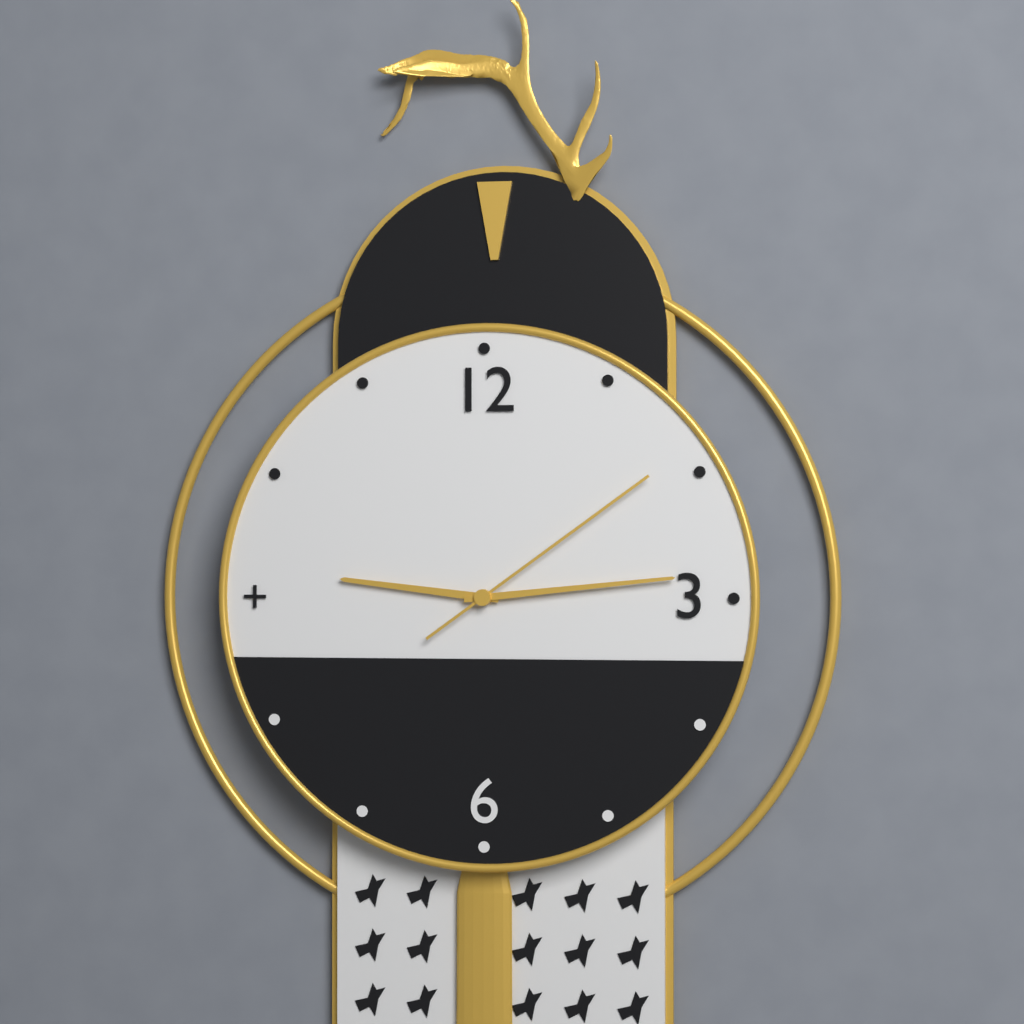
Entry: 9 h 14 min 09 s
